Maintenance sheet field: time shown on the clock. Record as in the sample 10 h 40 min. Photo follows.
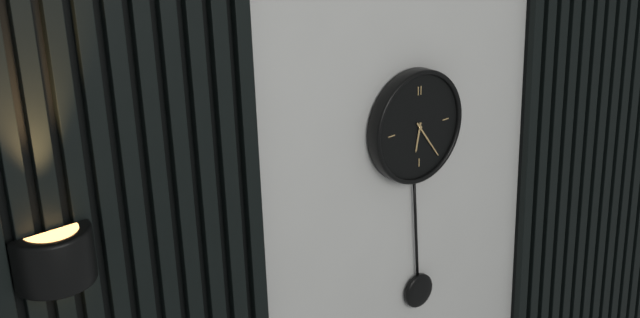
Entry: 6 h 24 min
